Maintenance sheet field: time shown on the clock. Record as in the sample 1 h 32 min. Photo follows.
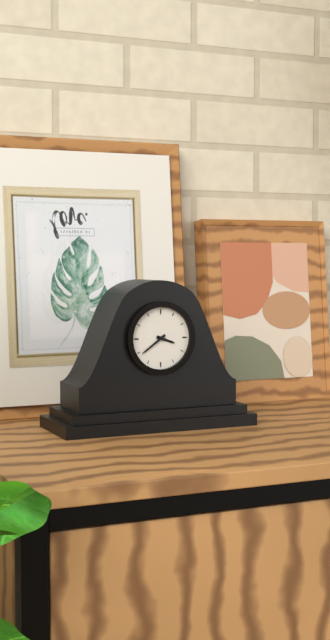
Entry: 3 h 39 min
